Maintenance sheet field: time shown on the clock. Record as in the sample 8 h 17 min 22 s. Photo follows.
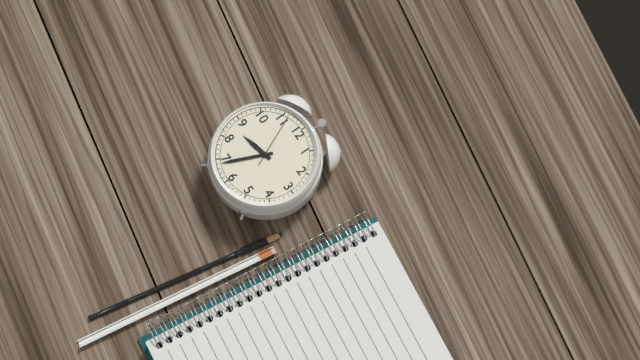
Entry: 8 h 34 min 56 s
